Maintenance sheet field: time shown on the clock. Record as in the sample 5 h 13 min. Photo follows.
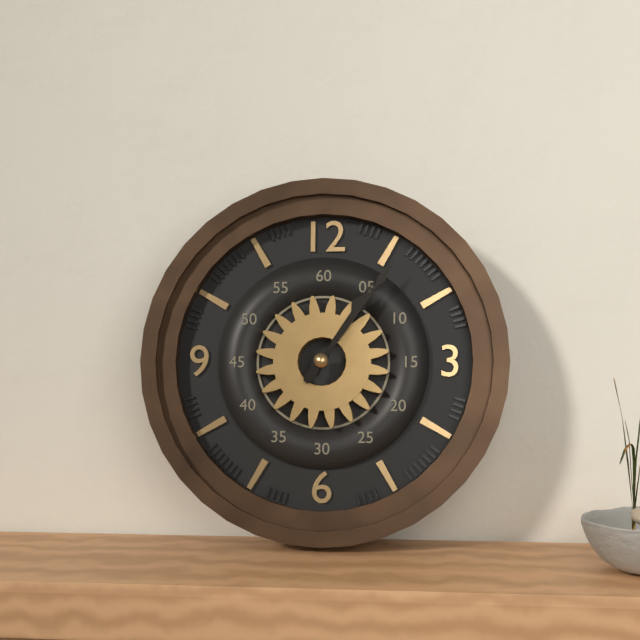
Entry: 1 h 06 min
